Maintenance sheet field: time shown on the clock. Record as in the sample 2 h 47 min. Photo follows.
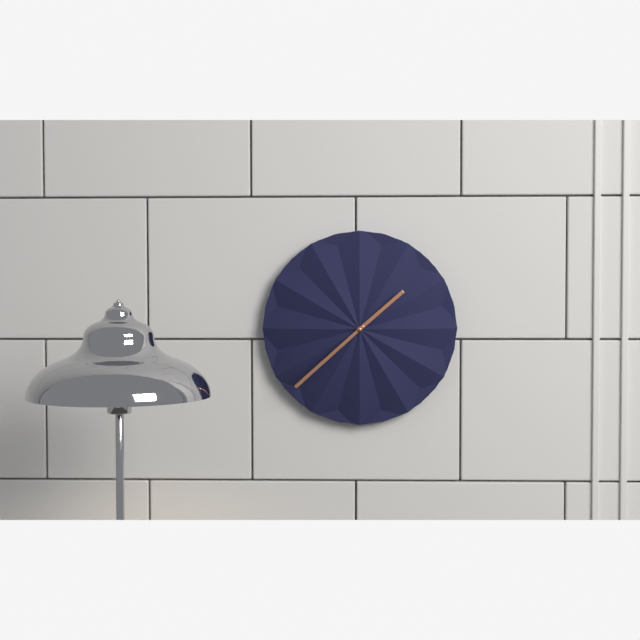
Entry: 1 h 38 min
